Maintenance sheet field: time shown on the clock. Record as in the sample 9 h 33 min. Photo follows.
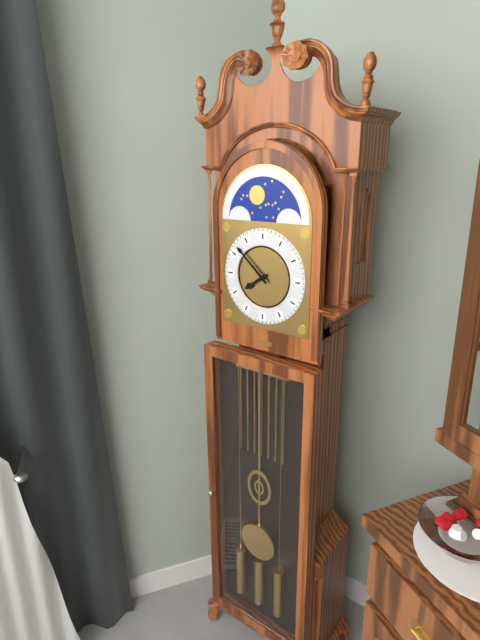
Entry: 7 h 52 min
